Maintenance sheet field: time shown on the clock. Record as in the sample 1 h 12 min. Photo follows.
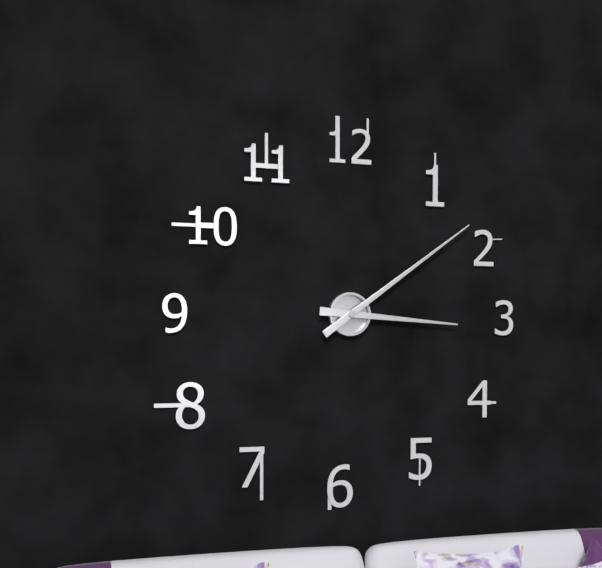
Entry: 3 h 09 min
